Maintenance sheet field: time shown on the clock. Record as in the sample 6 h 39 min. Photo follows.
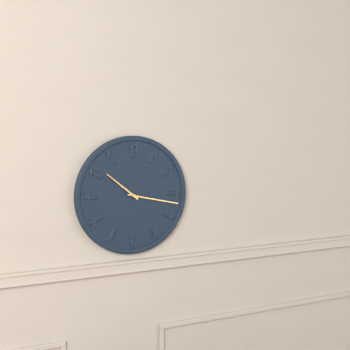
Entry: 10 h 17 min
